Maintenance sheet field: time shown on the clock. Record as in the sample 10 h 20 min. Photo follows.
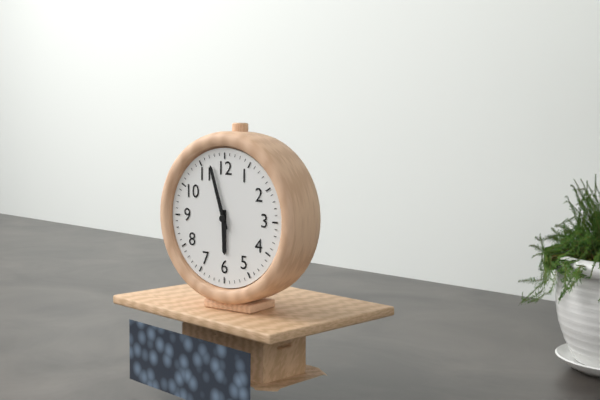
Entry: 5 h 57 min
